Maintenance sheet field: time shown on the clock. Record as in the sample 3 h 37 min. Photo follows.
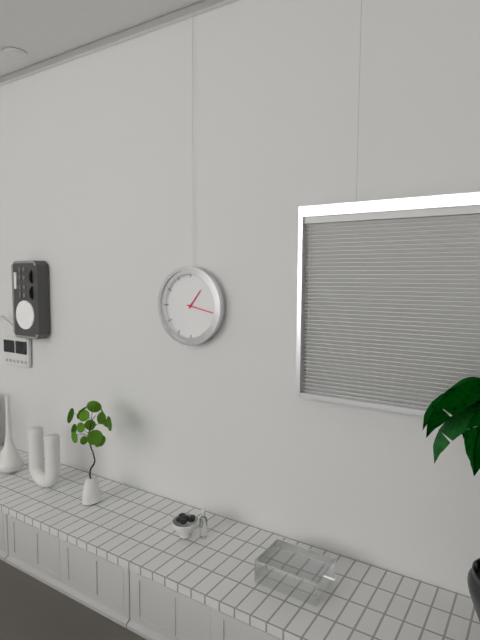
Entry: 1 h 17 min
